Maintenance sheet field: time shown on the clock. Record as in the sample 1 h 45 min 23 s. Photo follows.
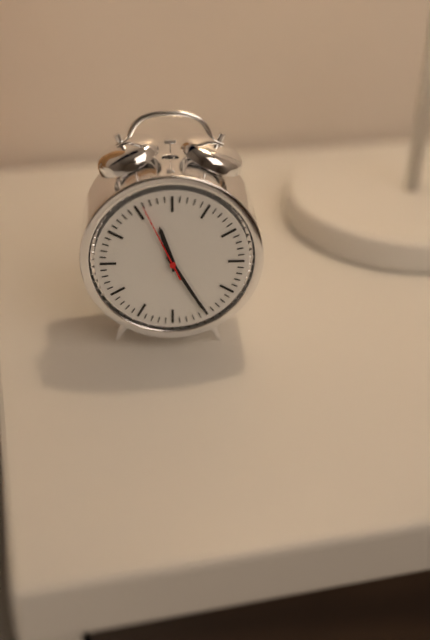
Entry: 11 h 25 min 56 s
